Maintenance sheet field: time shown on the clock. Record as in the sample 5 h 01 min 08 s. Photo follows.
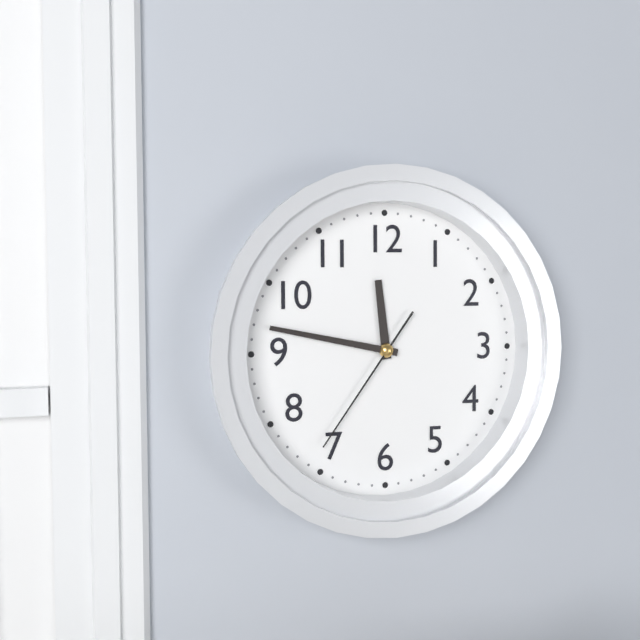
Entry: 11 h 47 min 36 s
